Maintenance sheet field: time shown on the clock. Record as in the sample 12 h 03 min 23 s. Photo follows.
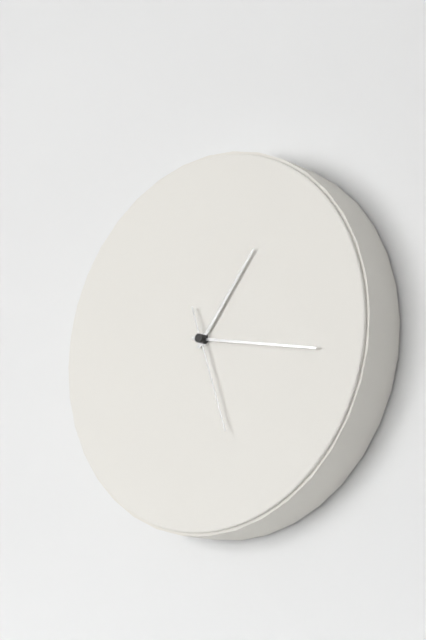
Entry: 1 h 17 min 27 s
